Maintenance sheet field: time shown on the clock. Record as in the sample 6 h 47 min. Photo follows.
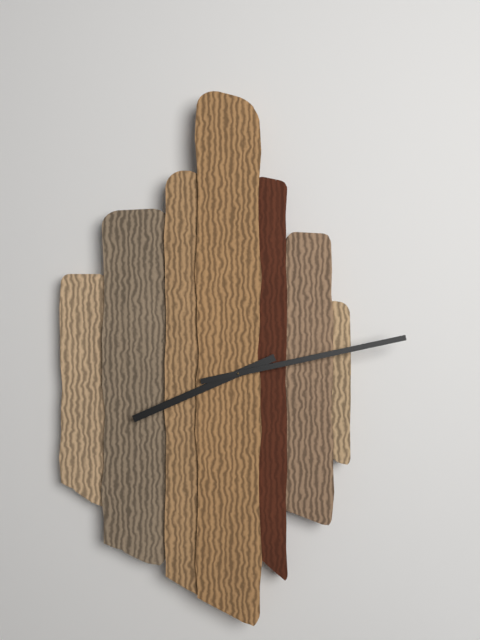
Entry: 8 h 13 min
